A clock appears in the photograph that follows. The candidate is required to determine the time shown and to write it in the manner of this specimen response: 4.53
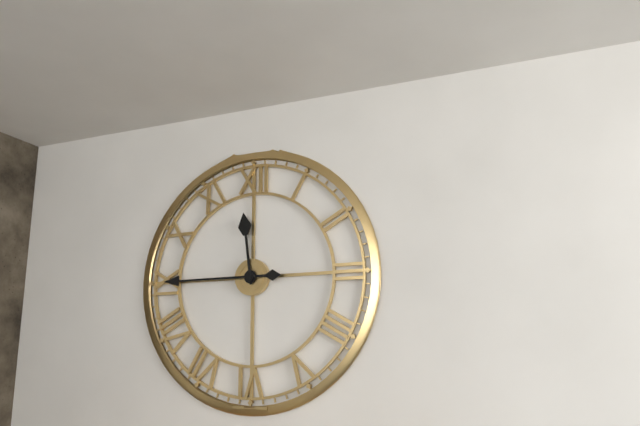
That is 11.45
